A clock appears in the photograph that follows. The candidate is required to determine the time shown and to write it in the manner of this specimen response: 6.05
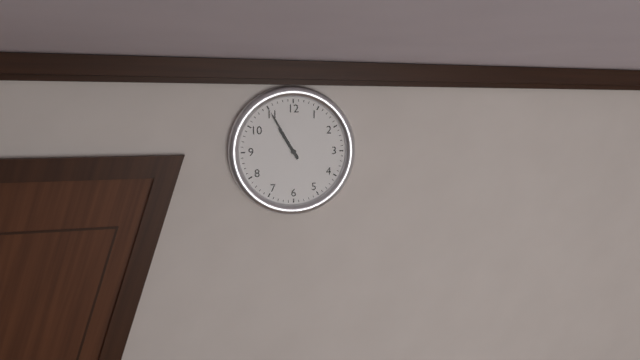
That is 10.55
